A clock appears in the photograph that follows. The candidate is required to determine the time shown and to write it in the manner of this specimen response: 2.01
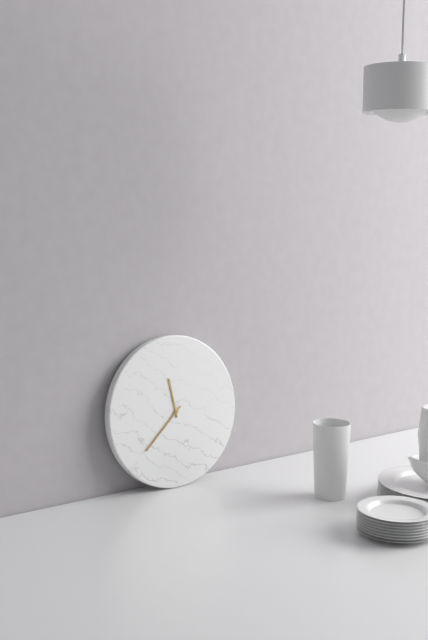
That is 11.38
